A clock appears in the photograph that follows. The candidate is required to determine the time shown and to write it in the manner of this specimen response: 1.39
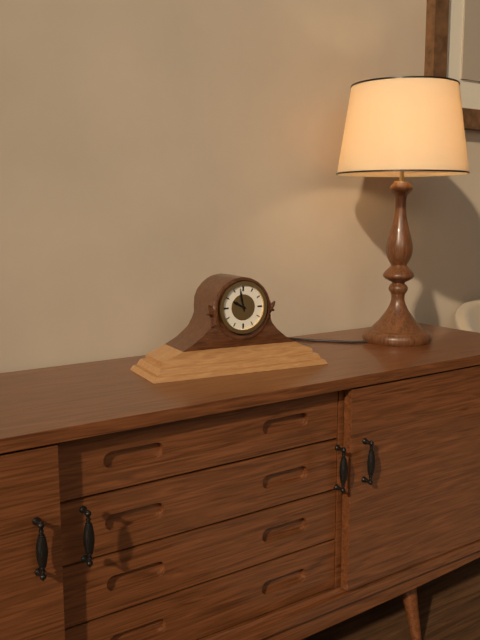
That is 9.58
